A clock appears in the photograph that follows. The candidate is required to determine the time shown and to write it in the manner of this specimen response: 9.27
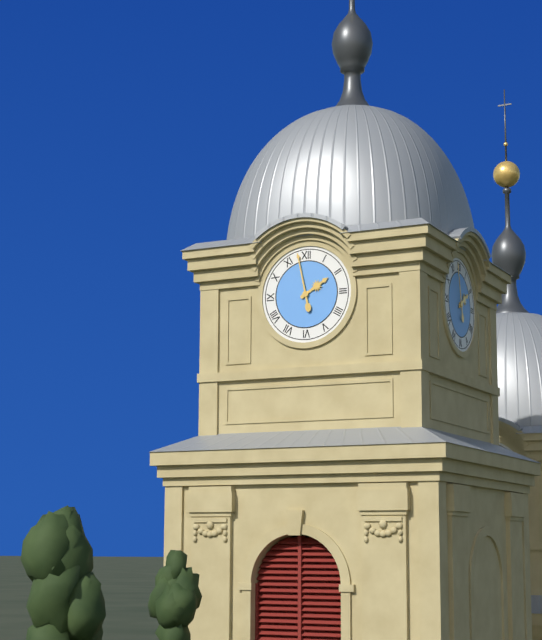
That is 1.58
